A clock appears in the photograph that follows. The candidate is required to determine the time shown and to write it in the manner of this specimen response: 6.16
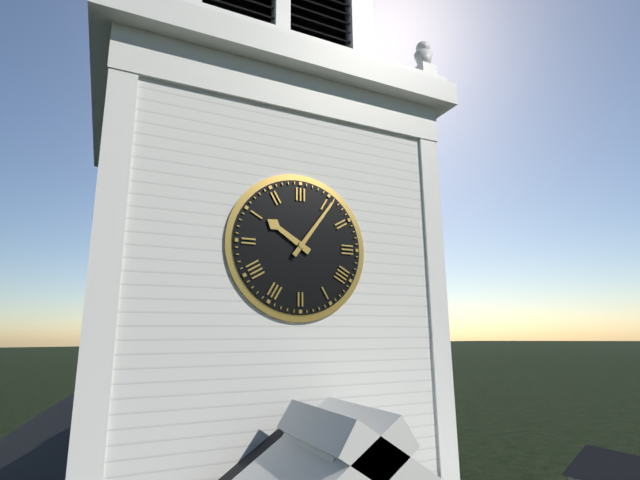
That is 10.06
